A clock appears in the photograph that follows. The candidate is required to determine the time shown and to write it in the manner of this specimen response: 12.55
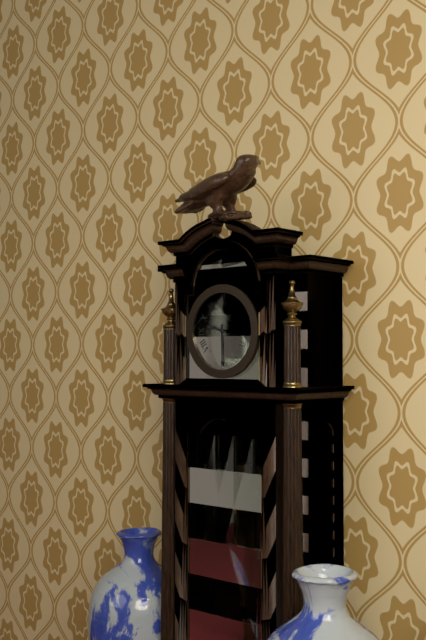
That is 9.30
